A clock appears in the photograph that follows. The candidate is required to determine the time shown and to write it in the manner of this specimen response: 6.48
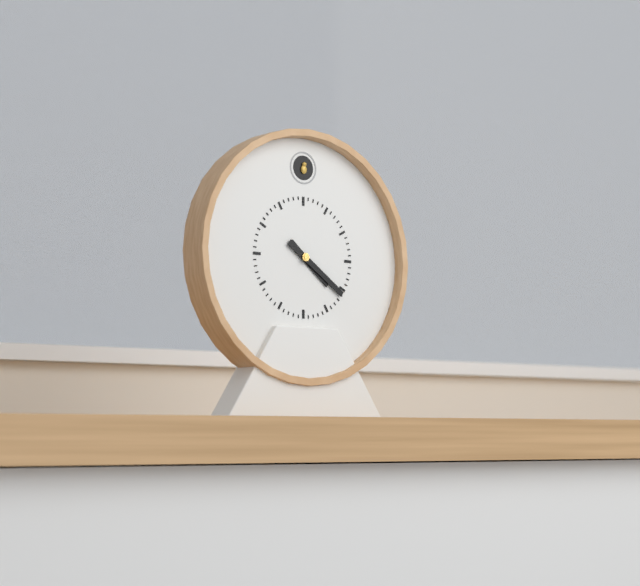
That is 4.21
